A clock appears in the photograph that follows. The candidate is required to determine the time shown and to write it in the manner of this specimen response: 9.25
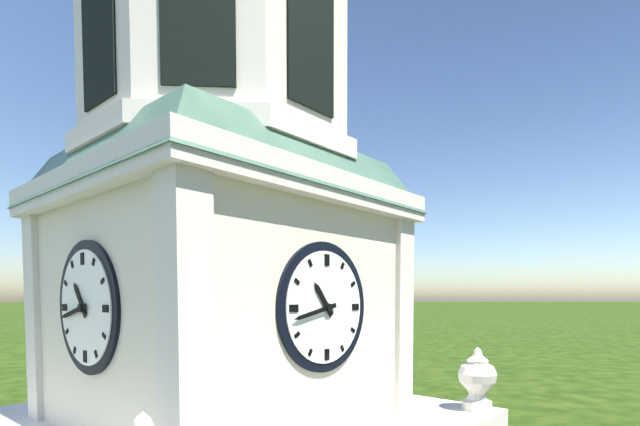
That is 10.43
